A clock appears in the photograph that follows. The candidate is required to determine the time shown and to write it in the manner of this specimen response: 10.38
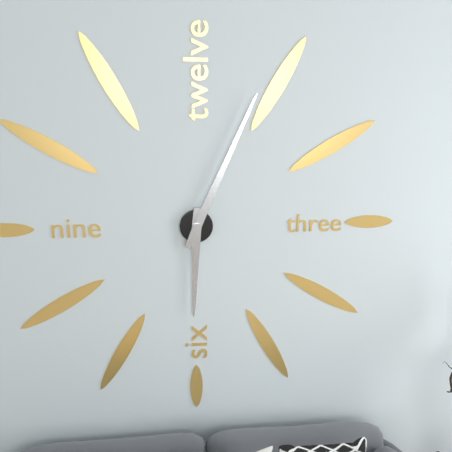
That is 6.04
